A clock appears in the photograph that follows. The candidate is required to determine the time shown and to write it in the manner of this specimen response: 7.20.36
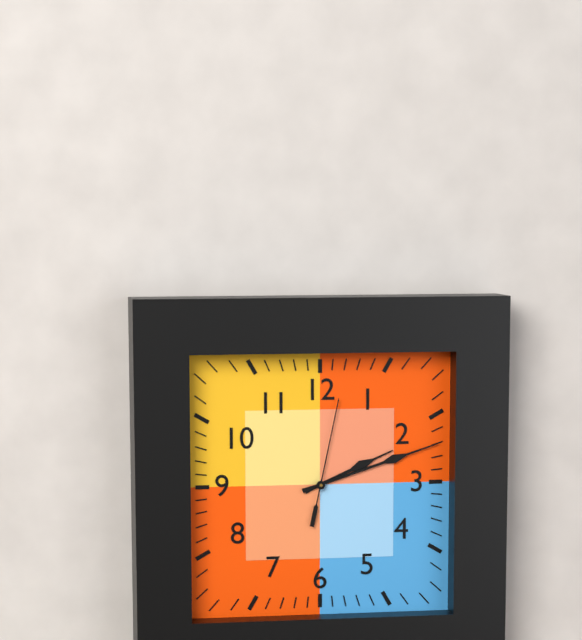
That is 2.12.02
